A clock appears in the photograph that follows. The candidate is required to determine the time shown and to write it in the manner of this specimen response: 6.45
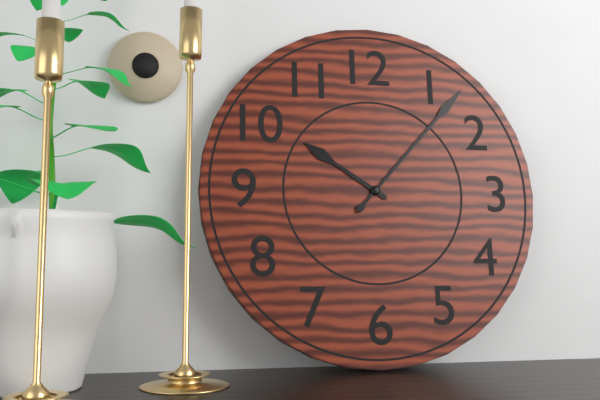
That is 10.07
